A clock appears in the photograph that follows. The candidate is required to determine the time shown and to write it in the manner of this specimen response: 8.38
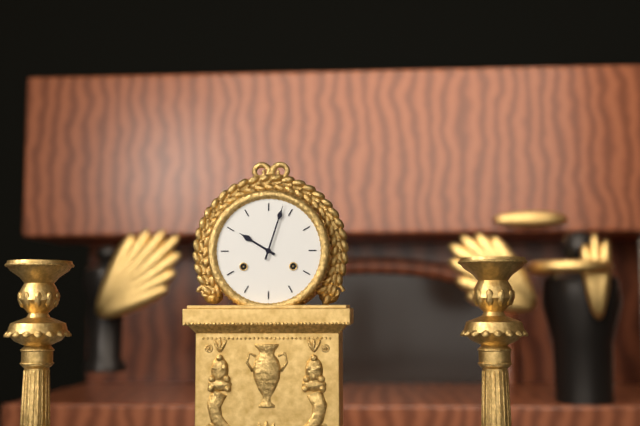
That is 10.03
